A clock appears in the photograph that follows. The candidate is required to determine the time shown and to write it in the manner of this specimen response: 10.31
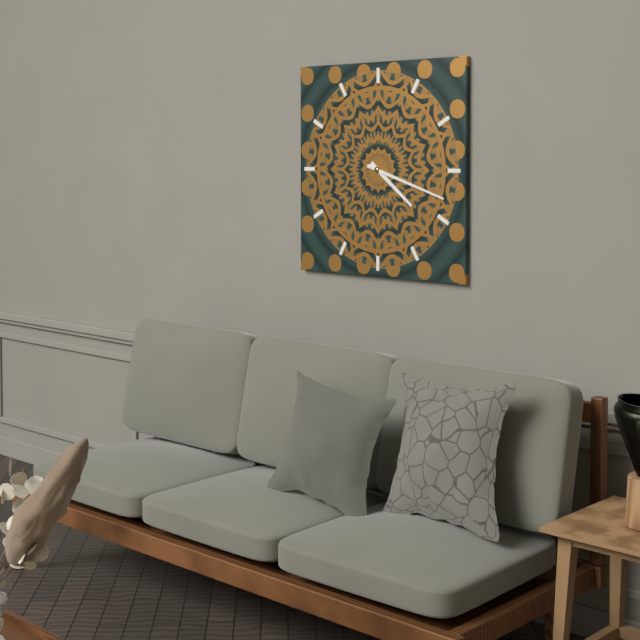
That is 4.18
